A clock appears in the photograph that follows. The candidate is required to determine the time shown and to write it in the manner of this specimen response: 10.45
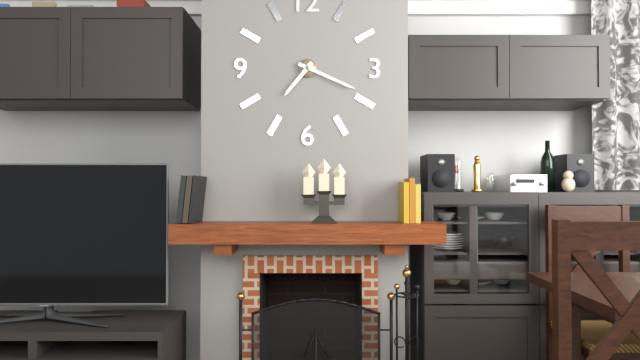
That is 7.19
